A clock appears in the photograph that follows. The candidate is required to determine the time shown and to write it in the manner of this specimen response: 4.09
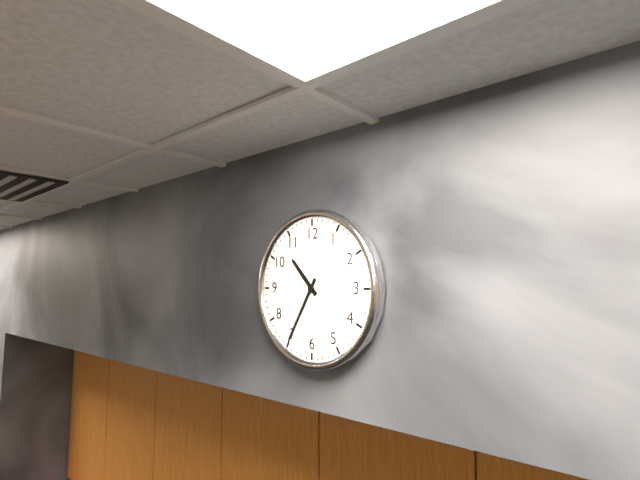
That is 10.35
